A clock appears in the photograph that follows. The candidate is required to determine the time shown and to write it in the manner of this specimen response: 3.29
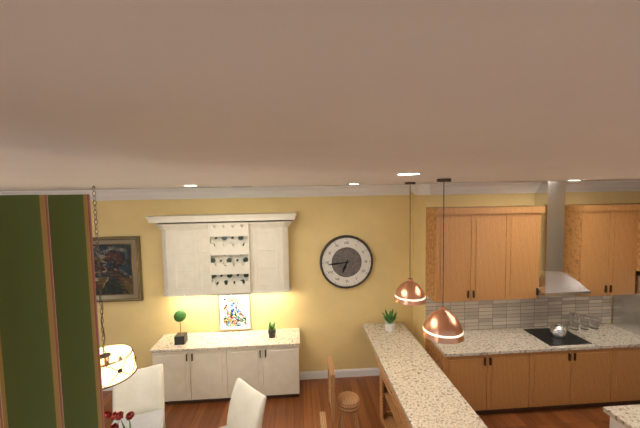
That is 6.44
